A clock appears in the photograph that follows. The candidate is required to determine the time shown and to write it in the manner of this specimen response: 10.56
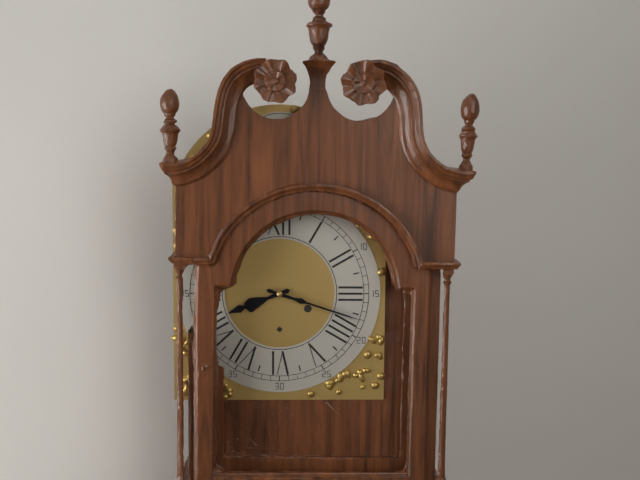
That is 8.18
